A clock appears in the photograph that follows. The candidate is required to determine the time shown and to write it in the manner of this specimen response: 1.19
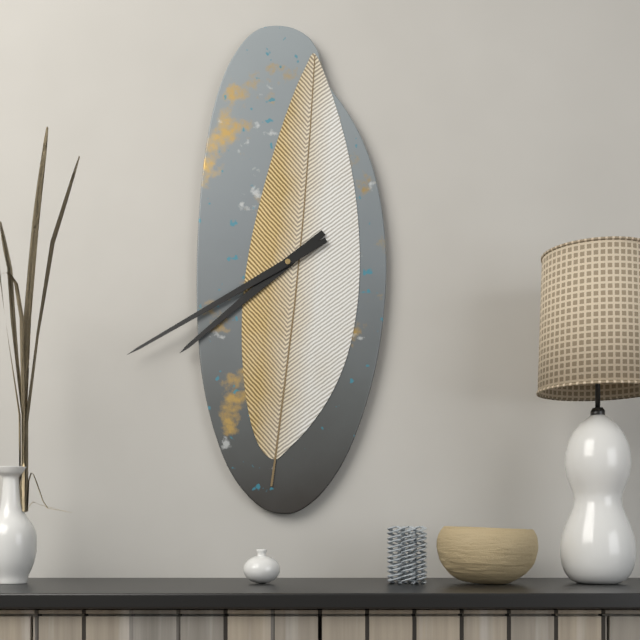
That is 7.40
